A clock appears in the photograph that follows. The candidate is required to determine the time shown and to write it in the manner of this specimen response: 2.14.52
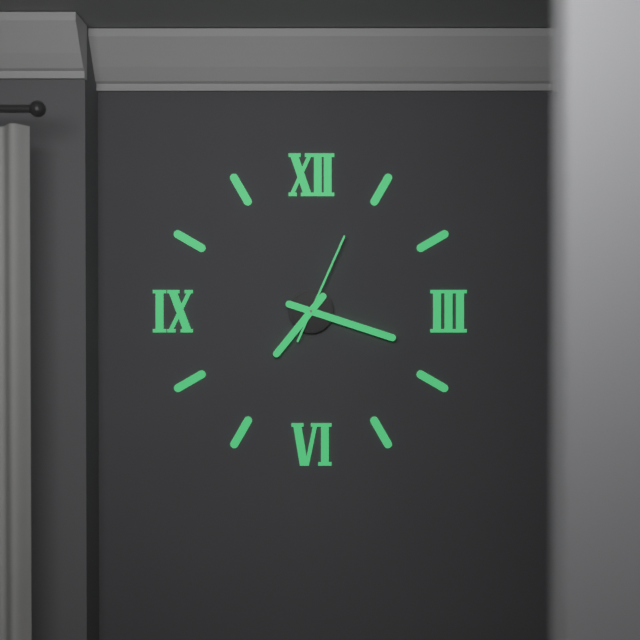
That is 7.18.04
